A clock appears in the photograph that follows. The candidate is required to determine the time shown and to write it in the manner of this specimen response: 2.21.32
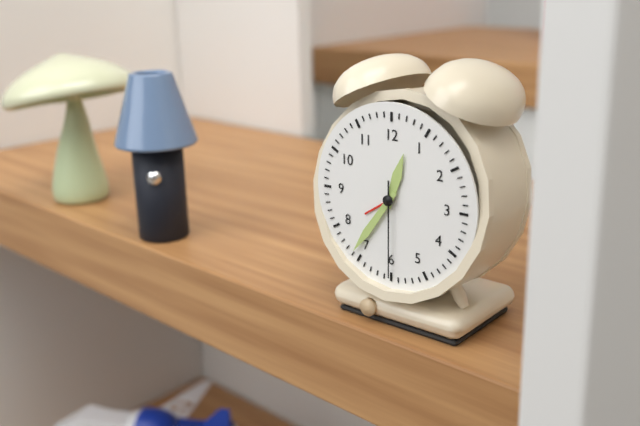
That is 12.36.30
